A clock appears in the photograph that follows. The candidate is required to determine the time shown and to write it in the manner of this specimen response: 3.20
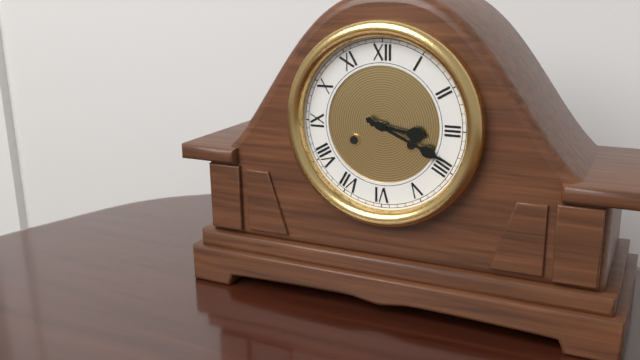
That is 3.19
